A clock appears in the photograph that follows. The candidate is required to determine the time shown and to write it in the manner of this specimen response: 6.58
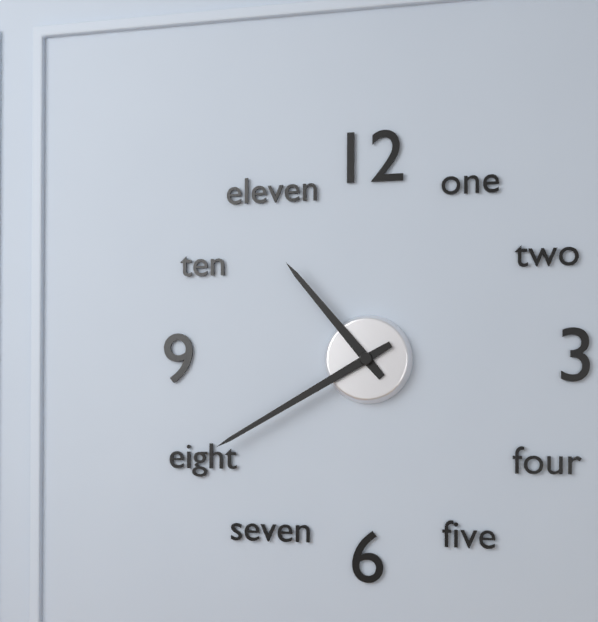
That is 10.40
